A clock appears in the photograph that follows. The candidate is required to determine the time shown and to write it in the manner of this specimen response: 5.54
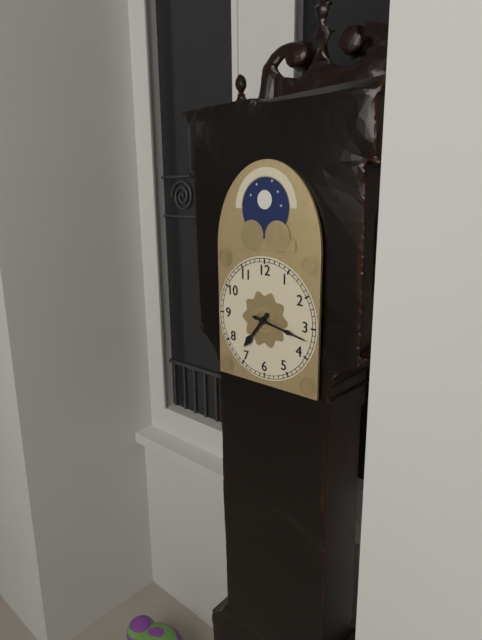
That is 7.17
